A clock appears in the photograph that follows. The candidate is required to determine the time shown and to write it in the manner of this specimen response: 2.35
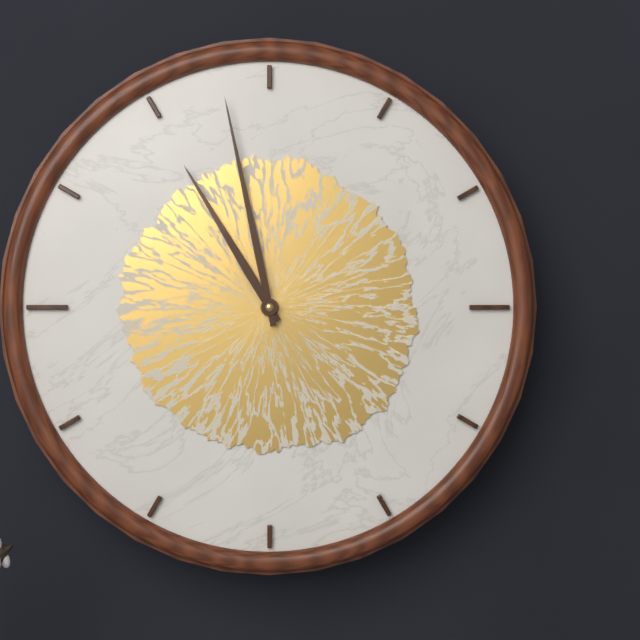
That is 10.58
